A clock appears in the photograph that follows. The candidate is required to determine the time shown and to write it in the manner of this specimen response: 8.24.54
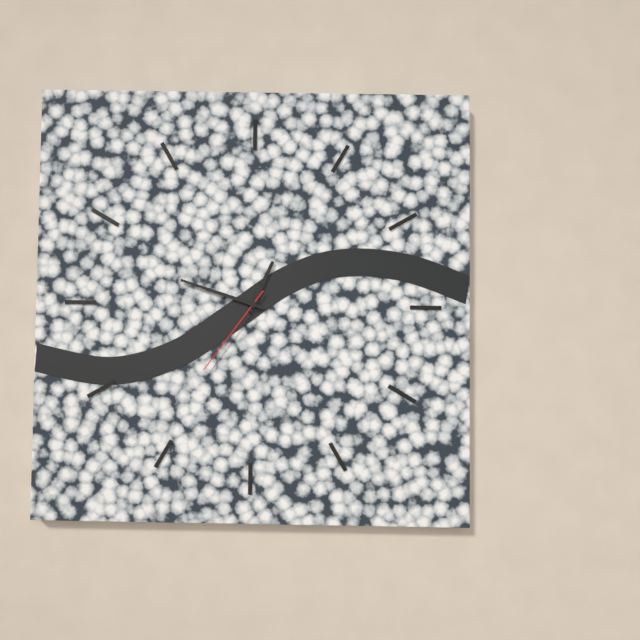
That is 12.48.36
